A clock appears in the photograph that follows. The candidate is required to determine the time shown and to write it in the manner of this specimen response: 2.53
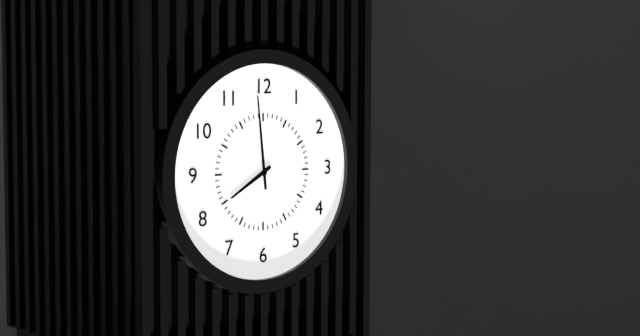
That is 7.59
